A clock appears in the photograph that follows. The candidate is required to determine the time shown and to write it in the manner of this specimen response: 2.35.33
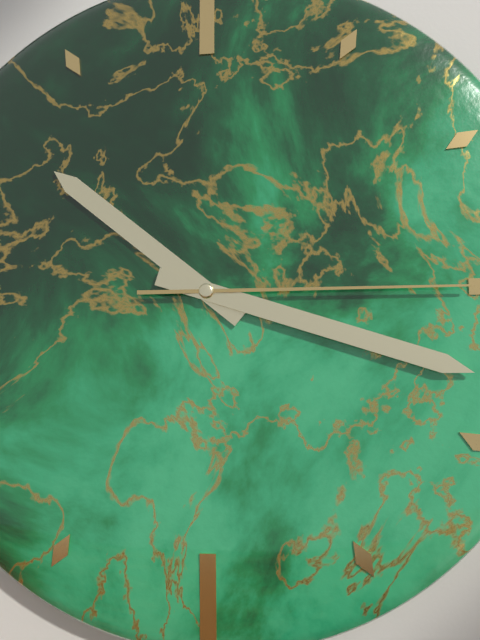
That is 10.18.15
